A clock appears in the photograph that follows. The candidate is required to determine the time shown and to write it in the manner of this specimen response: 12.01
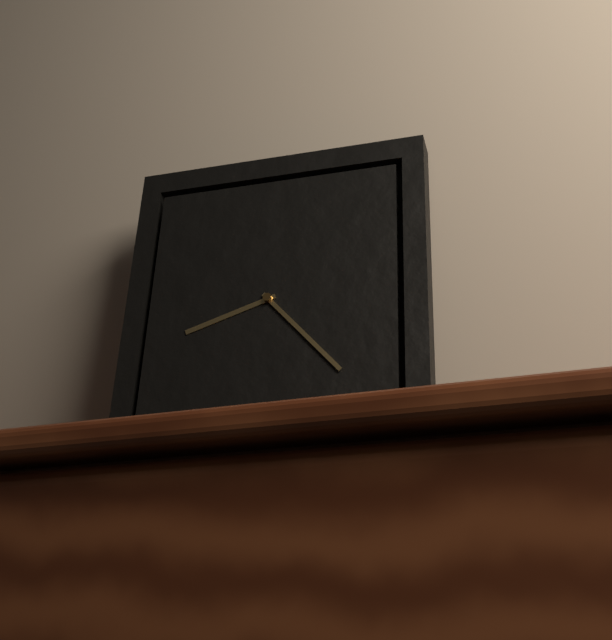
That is 8.23
